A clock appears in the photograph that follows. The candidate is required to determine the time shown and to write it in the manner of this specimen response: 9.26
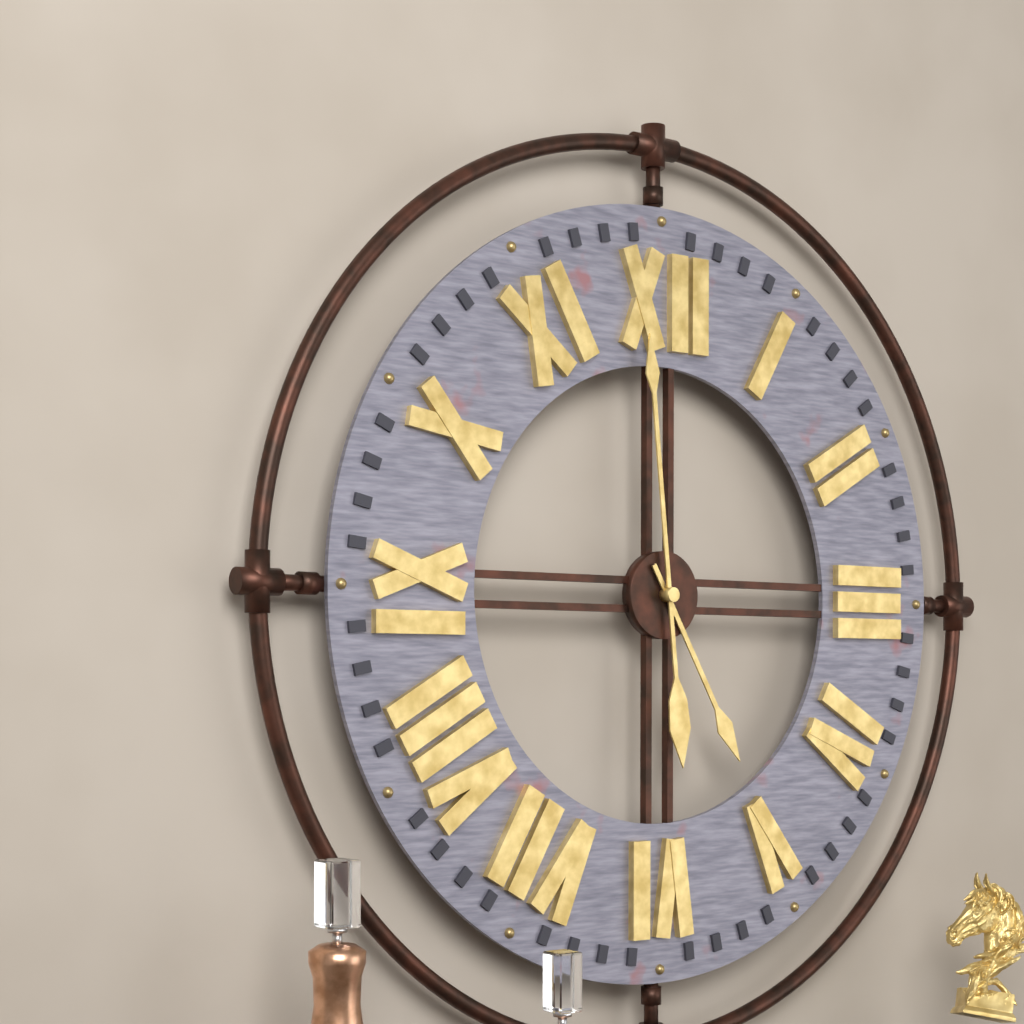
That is 4.59
